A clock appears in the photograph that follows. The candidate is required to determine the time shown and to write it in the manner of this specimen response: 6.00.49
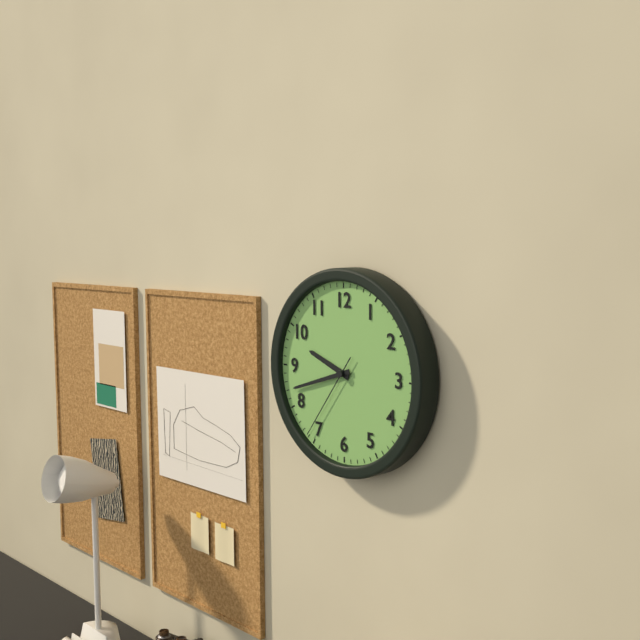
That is 9.42.36
